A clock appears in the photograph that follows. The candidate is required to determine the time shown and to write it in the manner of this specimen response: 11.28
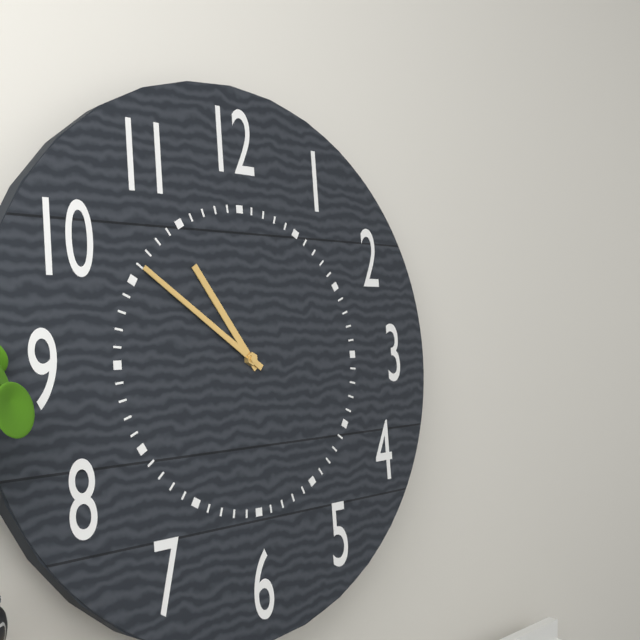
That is 10.51
